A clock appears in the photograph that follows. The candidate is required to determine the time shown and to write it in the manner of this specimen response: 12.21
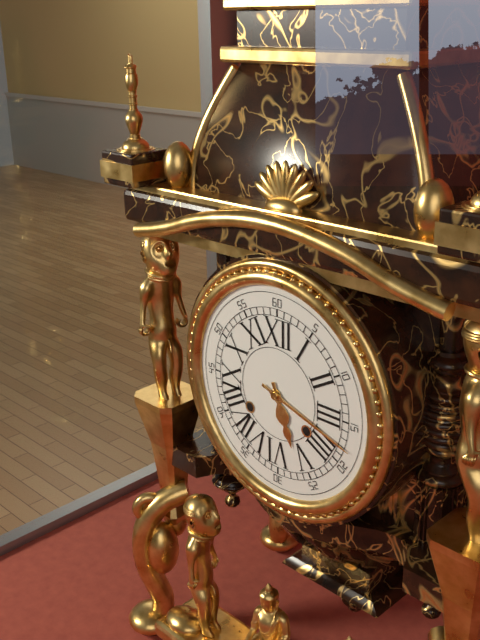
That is 5.18
